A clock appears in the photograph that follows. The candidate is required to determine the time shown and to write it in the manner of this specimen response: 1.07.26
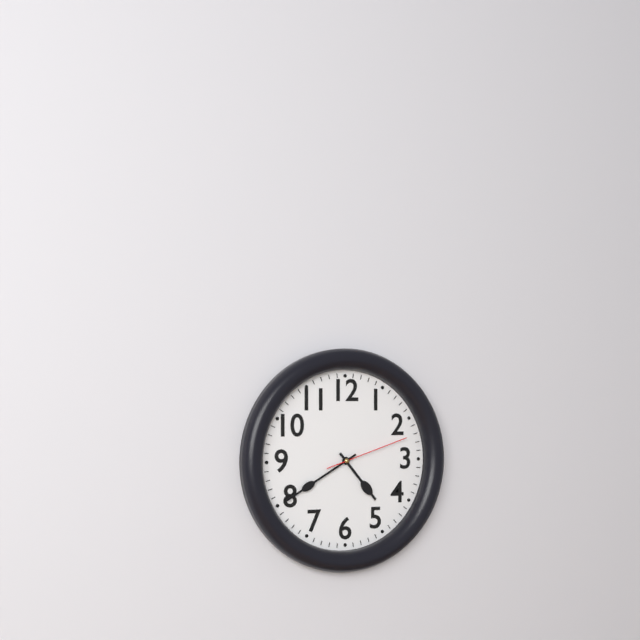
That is 4.40.12
